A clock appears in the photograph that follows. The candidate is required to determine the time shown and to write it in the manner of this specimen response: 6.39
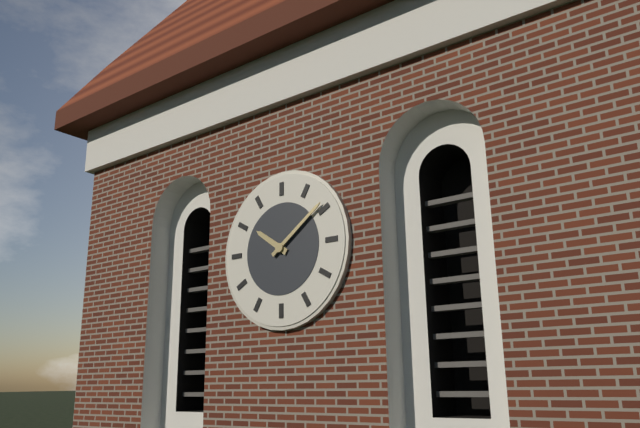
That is 10.09
